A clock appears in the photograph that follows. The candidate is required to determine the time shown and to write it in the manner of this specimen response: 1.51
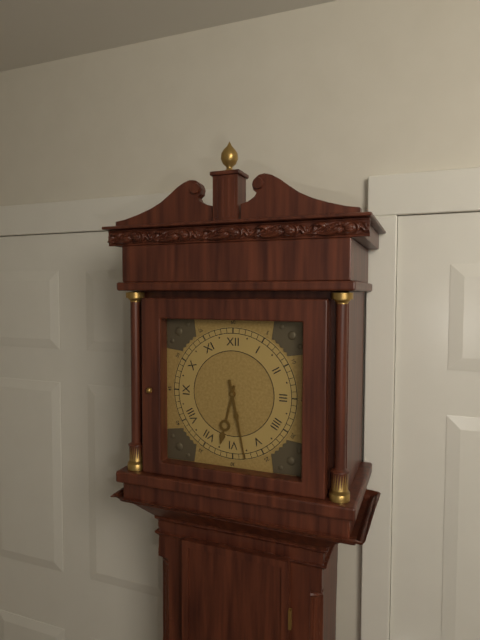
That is 6.28
